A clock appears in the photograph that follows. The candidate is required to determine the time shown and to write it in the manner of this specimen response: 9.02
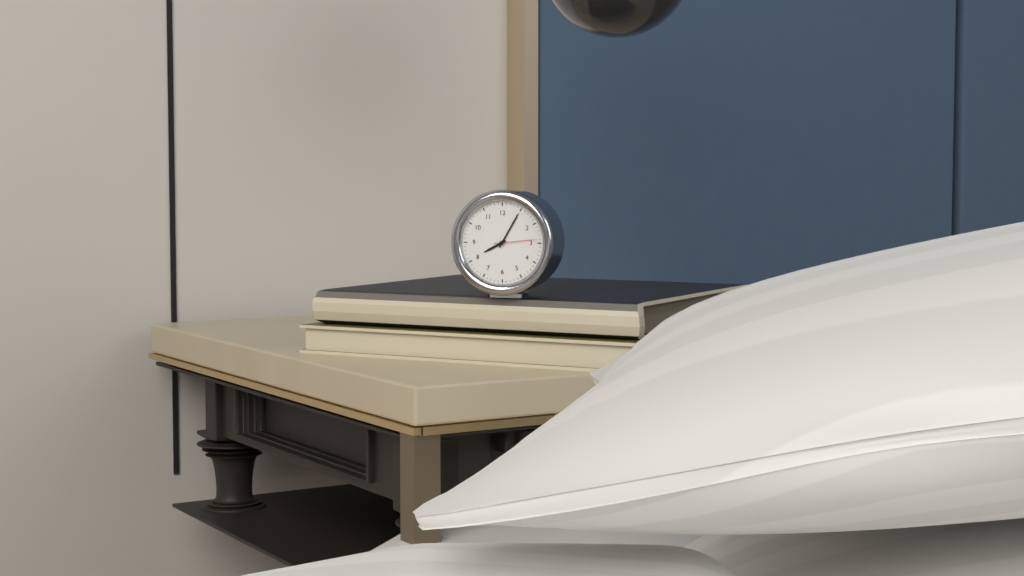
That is 8.05
